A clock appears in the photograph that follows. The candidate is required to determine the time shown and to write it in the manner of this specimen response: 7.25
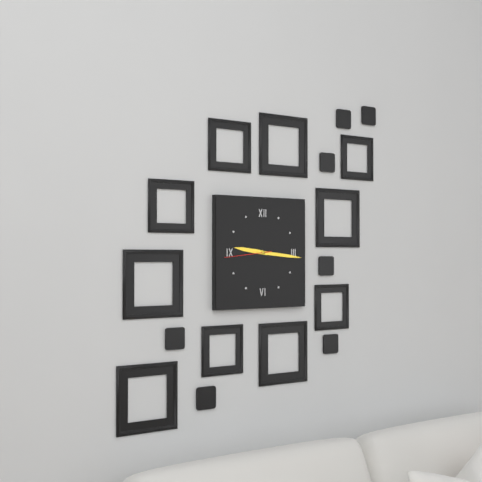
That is 9.16
